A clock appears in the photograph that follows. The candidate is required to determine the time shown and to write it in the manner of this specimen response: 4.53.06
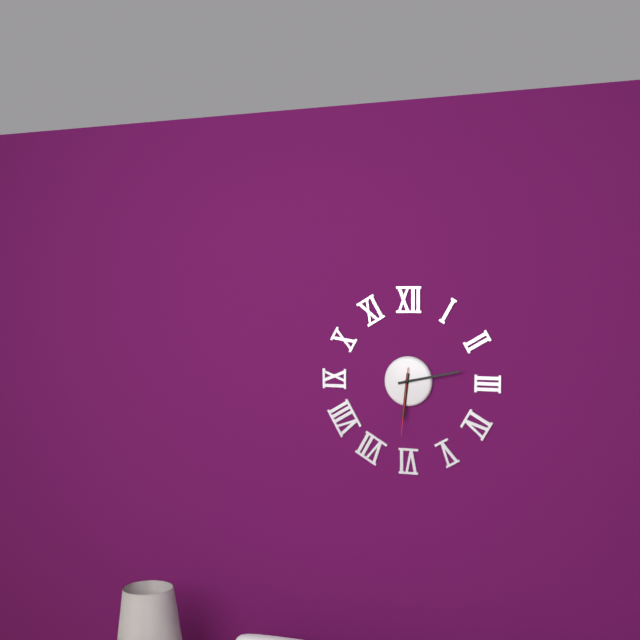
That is 6.13.31
